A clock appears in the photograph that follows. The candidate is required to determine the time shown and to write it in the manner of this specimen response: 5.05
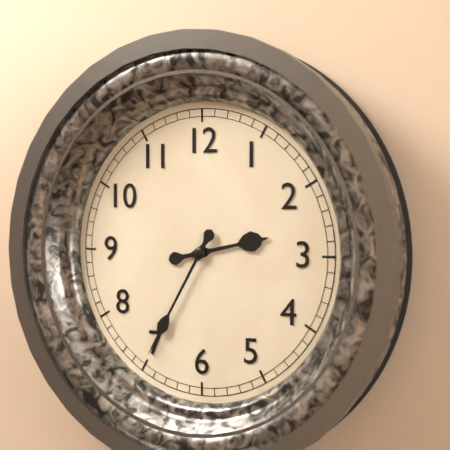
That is 2.35
